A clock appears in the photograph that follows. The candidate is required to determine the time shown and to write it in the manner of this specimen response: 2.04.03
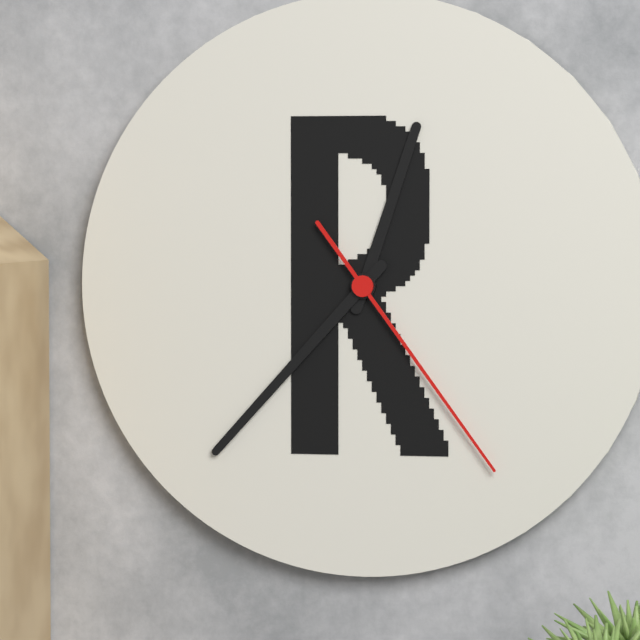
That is 12.37.24
